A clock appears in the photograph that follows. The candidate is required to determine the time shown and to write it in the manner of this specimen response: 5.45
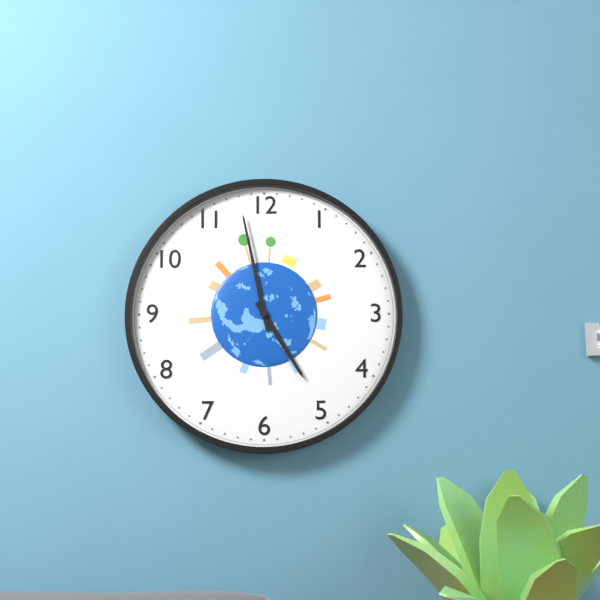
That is 4.58
